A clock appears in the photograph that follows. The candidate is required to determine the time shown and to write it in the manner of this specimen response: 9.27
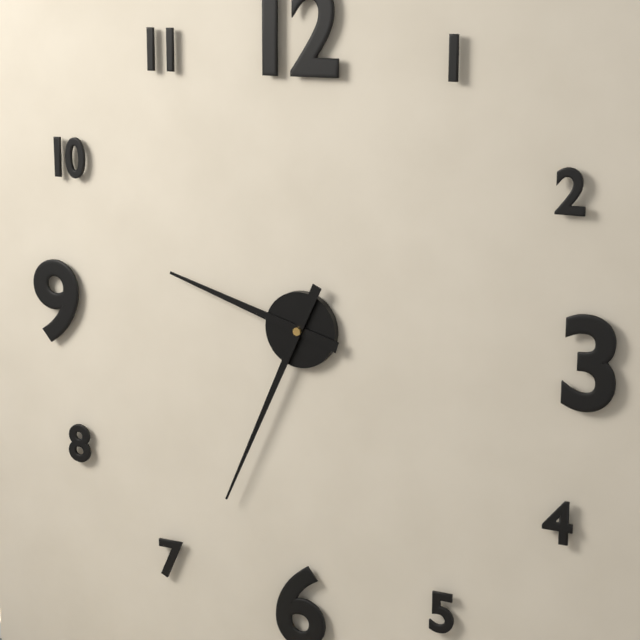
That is 9.34
